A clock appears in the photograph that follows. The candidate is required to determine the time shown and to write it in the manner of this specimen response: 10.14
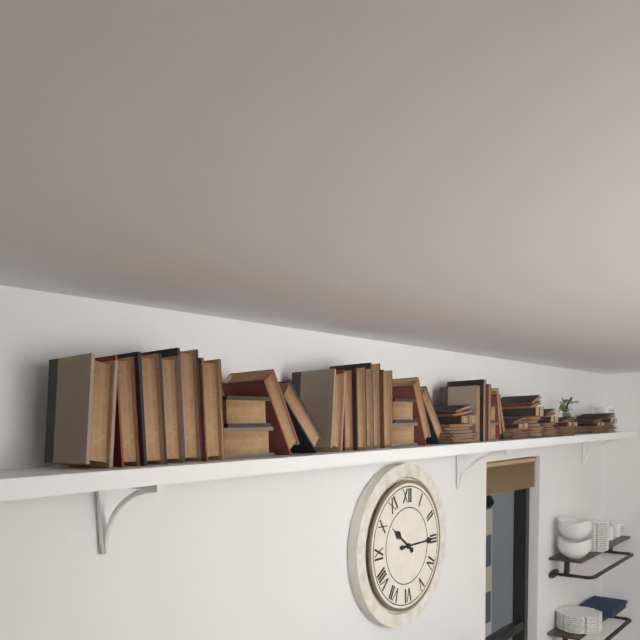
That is 10.15
